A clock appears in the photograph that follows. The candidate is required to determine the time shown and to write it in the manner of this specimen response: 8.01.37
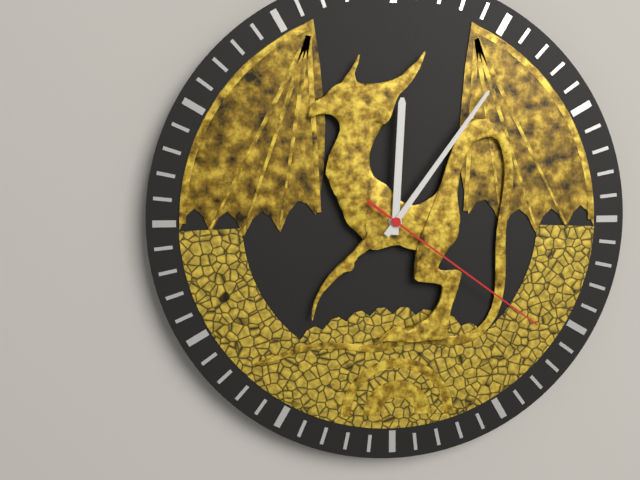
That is 12.06.21
